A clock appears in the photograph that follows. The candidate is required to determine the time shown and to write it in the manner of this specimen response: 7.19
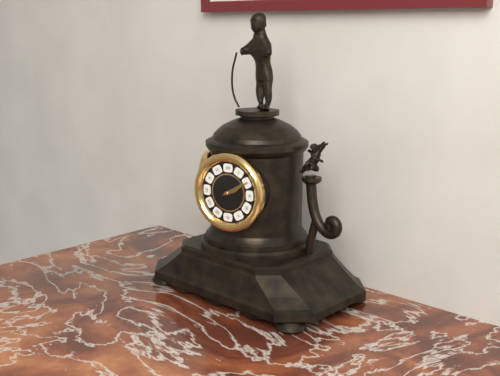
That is 2.10
